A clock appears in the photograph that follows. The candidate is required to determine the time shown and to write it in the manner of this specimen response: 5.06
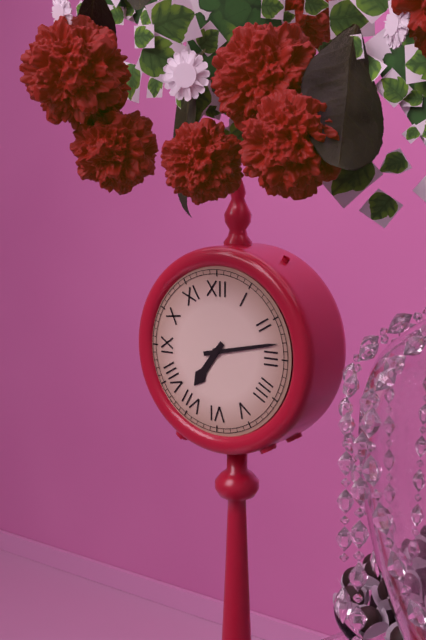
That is 7.13
